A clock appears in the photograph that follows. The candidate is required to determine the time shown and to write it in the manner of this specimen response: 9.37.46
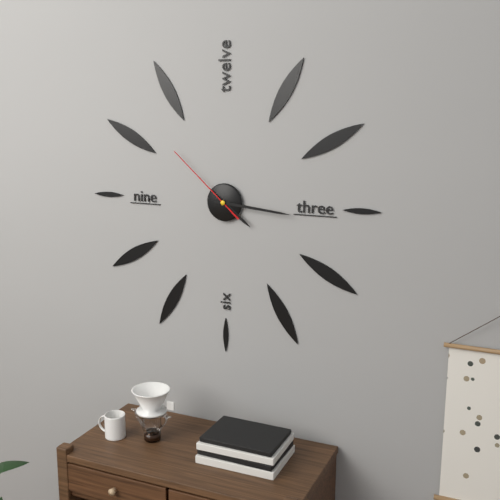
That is 4.16.52
